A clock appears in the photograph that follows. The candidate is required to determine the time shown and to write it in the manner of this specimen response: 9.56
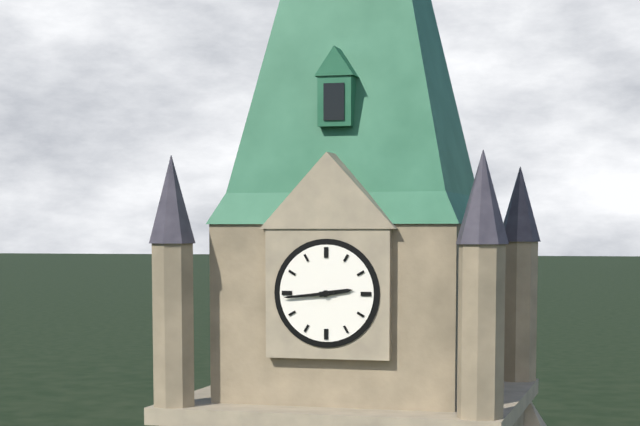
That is 2.44
